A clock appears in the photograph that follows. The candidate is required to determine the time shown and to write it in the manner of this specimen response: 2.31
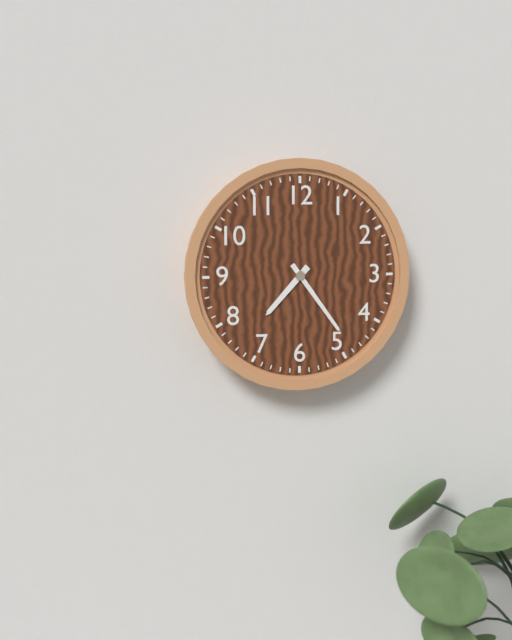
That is 7.24
